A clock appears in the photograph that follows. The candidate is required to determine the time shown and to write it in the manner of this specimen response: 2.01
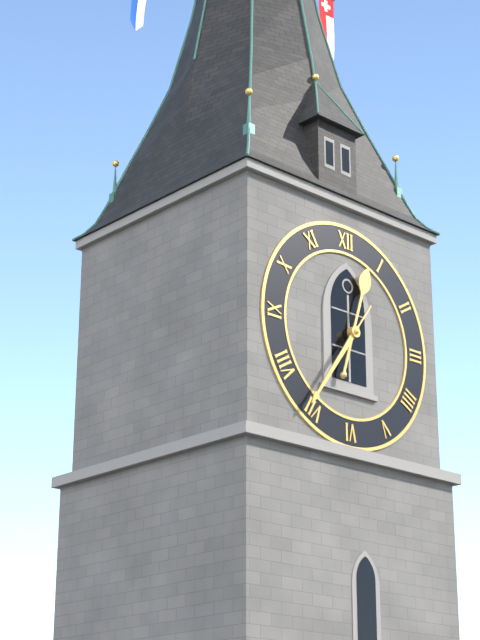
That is 12.36
